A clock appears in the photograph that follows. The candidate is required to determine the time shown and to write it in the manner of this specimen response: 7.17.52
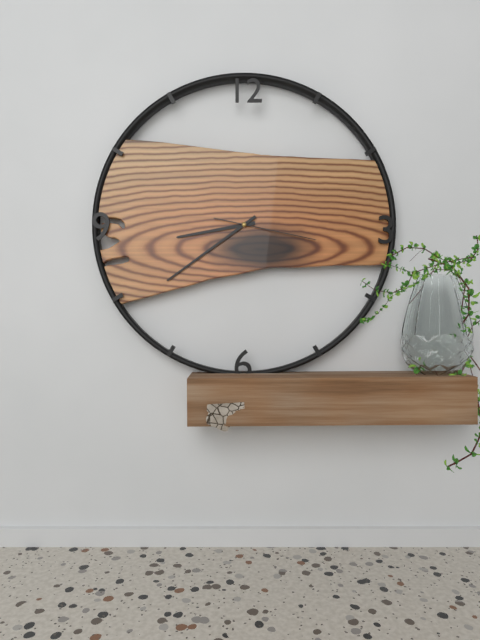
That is 8.39.17
